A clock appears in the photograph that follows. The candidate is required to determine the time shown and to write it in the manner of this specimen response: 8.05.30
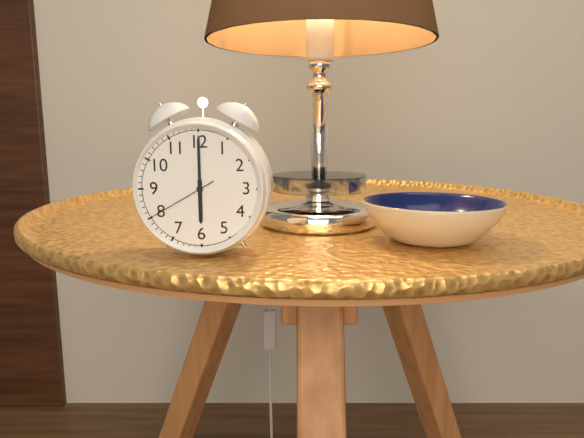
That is 6.00.40
